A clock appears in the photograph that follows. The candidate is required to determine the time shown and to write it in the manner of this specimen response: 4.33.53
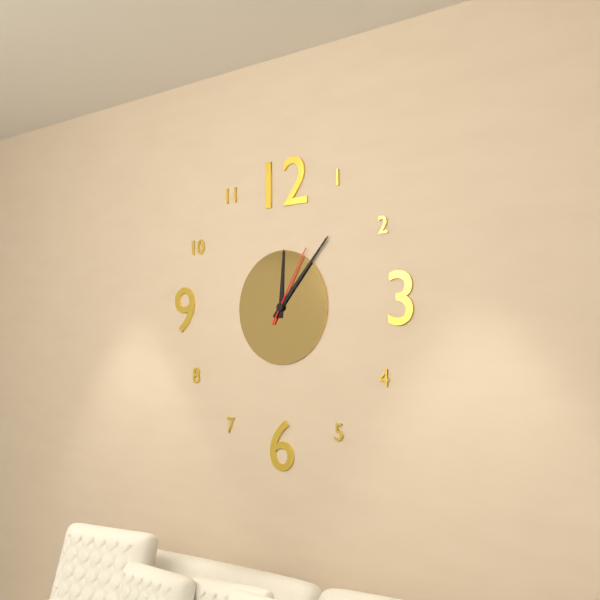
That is 12.07.05
